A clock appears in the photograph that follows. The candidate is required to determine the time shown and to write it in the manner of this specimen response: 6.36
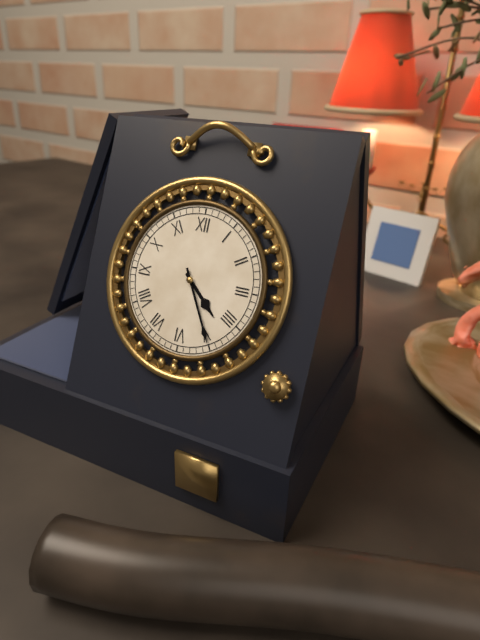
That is 4.25
